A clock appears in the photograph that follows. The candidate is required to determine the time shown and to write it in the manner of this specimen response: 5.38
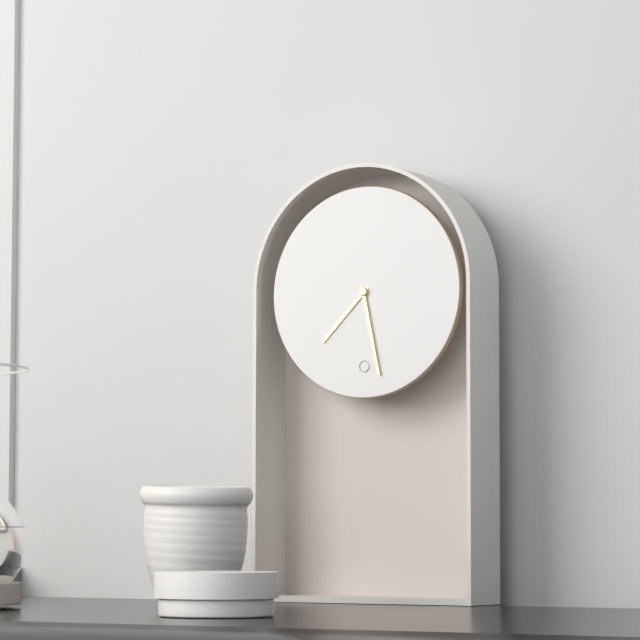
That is 7.28
